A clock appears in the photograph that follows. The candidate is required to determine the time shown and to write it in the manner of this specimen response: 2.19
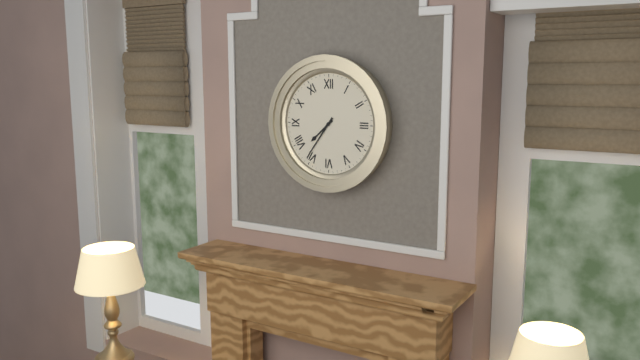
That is 7.36
